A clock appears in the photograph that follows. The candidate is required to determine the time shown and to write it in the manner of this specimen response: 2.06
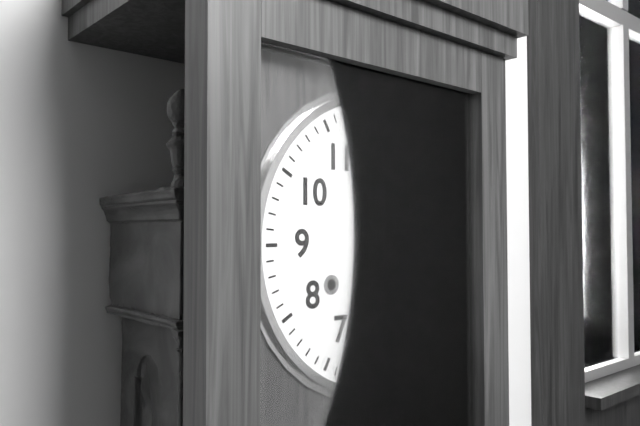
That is 12.10
